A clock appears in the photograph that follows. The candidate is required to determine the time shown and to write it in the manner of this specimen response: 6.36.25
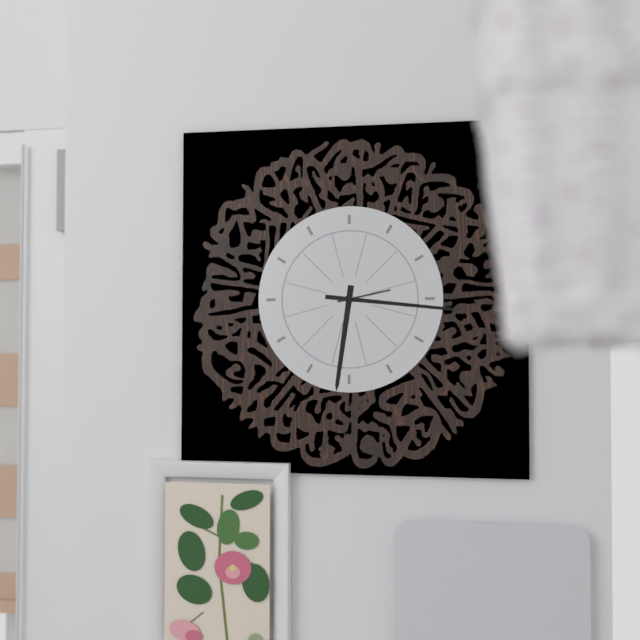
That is 6.16.13
